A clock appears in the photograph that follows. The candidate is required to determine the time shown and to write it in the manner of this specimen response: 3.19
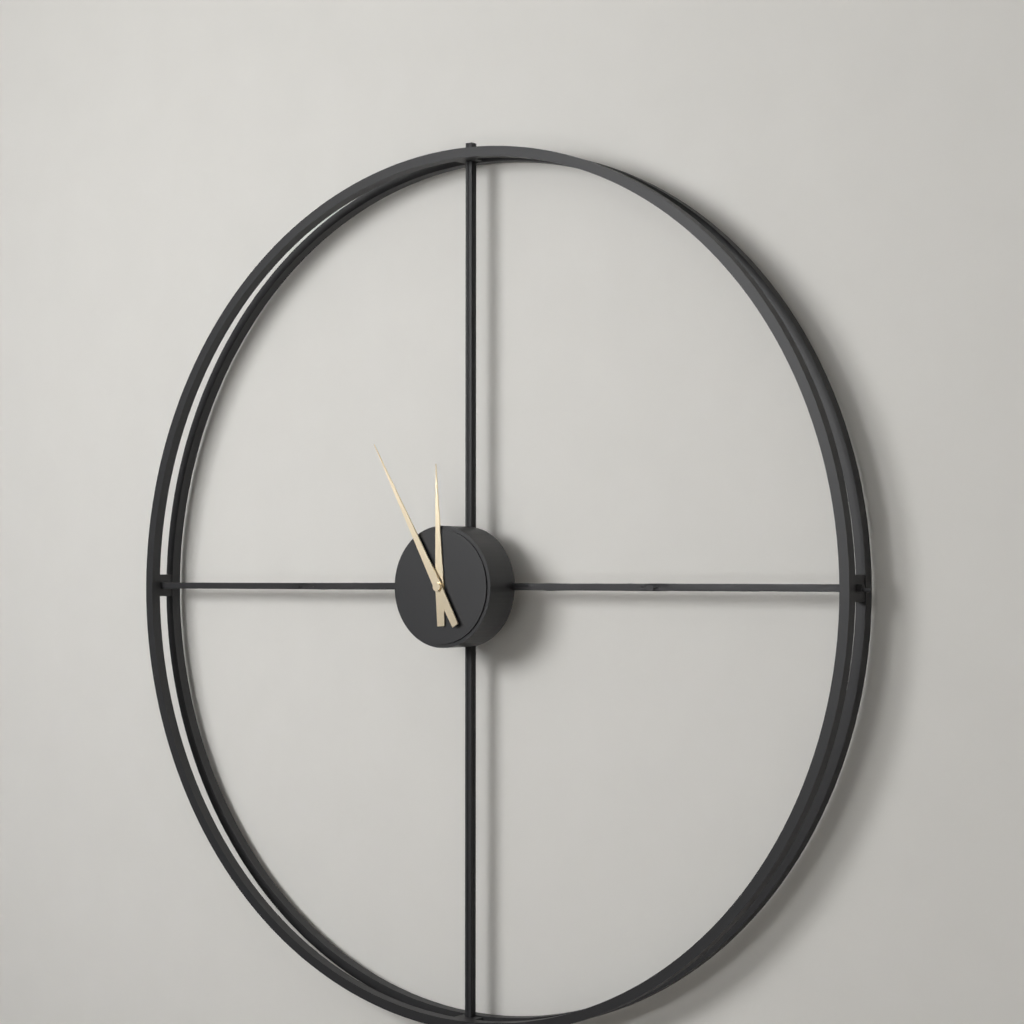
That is 11.55
